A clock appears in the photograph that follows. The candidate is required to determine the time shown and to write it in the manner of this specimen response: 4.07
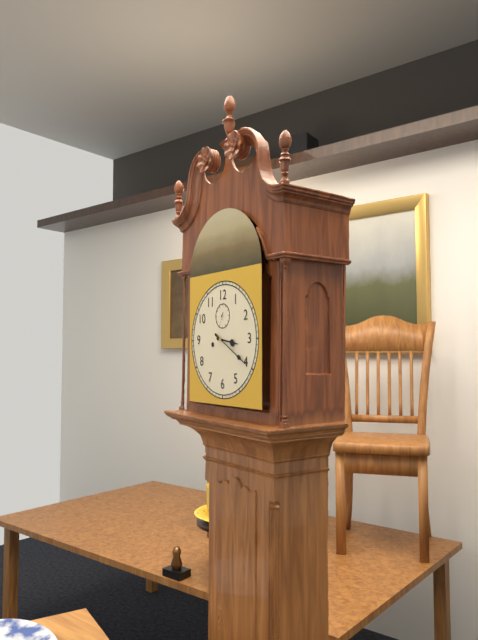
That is 3.20
